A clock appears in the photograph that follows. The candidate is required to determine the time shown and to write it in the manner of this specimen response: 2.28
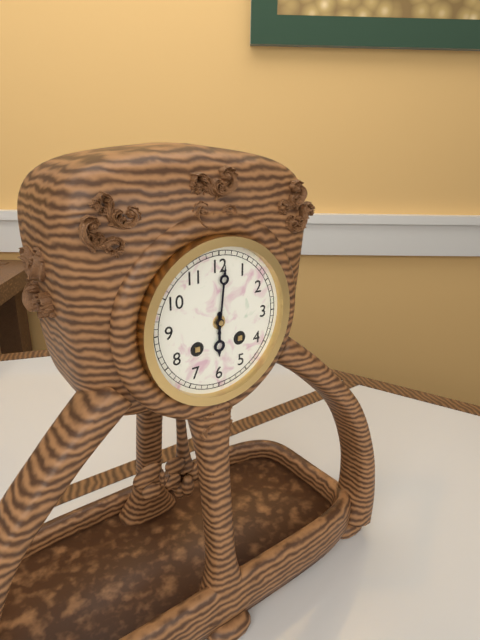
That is 6.01
